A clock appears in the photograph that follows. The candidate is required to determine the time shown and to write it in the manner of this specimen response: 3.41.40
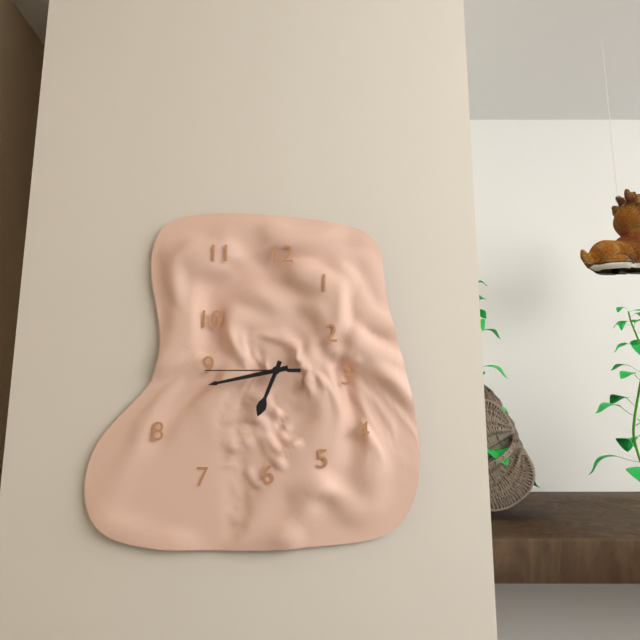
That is 6.43.45
